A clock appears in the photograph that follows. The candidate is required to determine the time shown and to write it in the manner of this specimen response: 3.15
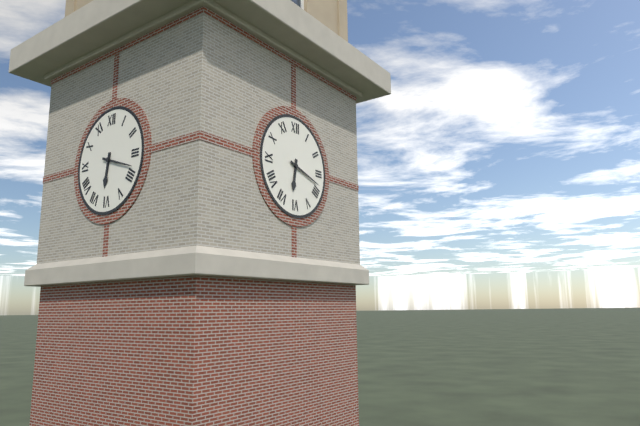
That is 6.18
